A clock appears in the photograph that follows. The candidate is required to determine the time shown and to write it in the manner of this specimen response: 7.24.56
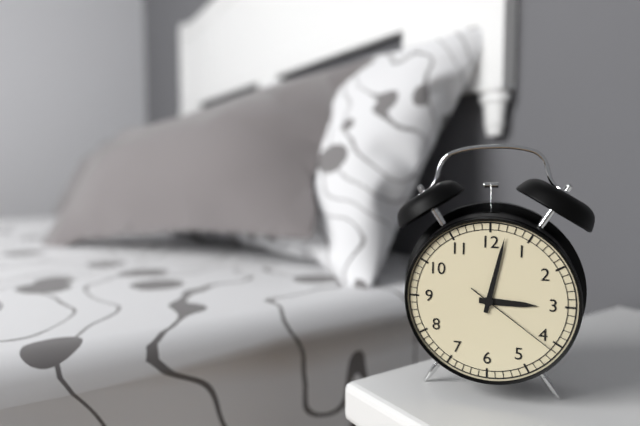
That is 3.02.21
